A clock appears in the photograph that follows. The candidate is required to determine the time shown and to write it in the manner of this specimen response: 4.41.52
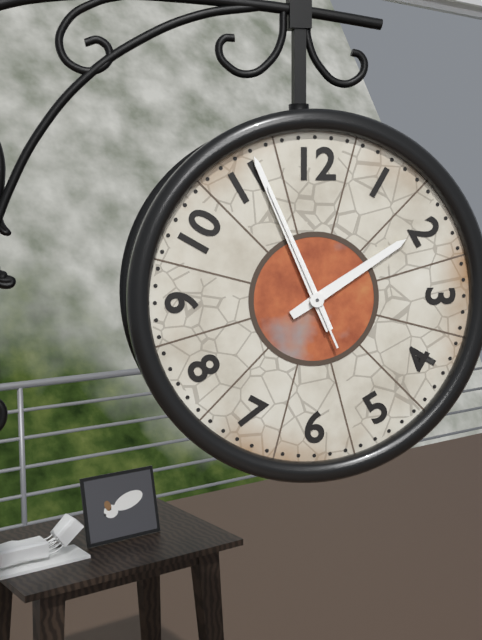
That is 1.56.56
